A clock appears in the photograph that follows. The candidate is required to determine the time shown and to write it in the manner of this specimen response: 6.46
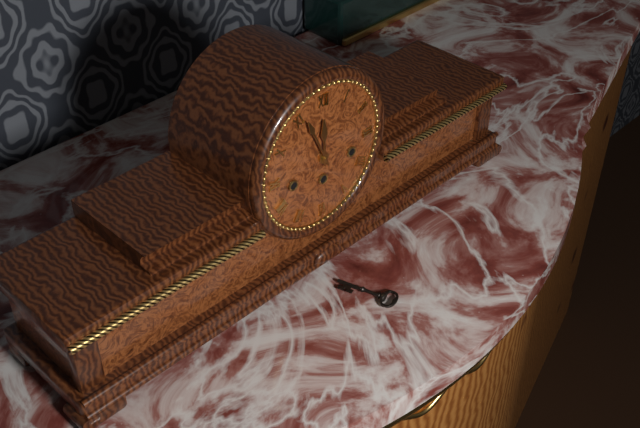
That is 11.56
